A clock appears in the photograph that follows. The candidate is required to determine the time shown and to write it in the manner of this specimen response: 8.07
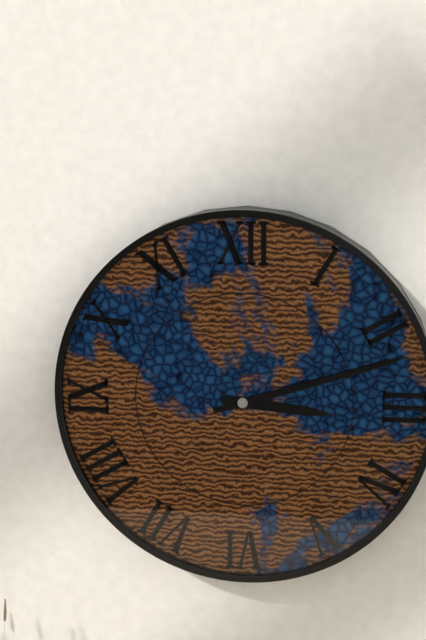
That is 3.12
